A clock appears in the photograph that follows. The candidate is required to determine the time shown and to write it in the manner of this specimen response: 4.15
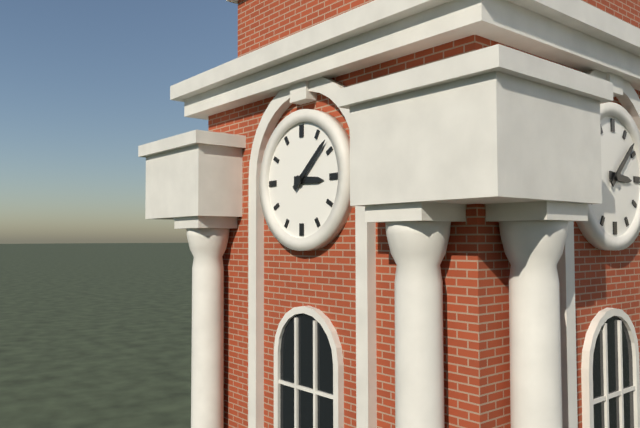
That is 3.08
